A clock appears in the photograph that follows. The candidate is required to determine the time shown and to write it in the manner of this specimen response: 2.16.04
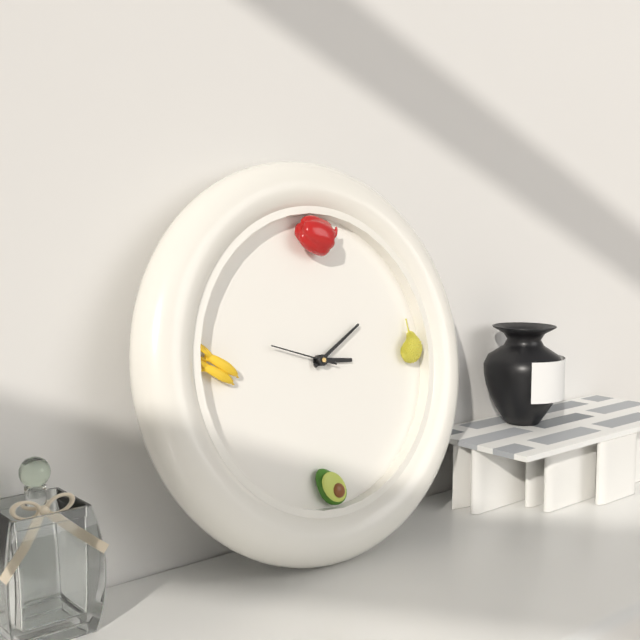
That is 3.10.48
